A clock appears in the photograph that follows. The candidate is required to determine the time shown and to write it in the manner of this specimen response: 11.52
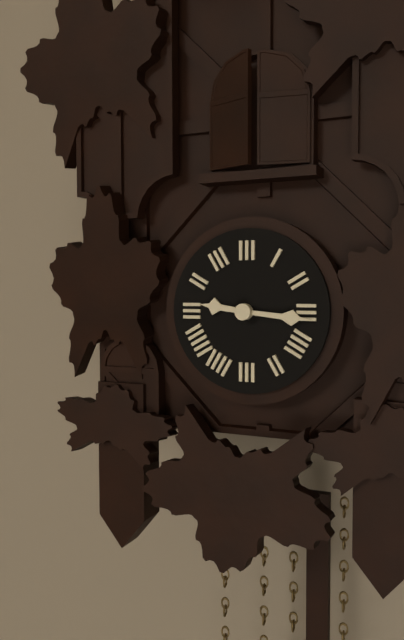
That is 9.16
